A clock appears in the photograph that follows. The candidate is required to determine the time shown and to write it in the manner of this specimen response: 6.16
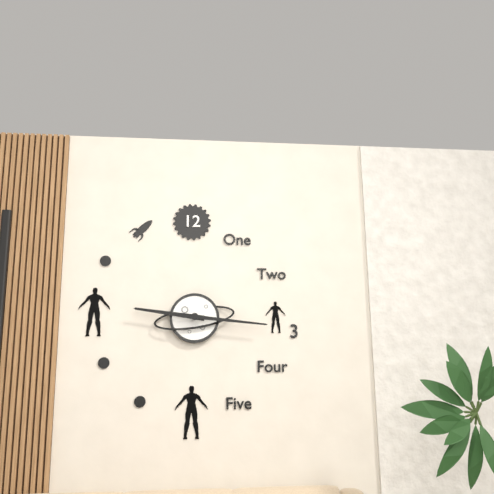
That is 9.16
